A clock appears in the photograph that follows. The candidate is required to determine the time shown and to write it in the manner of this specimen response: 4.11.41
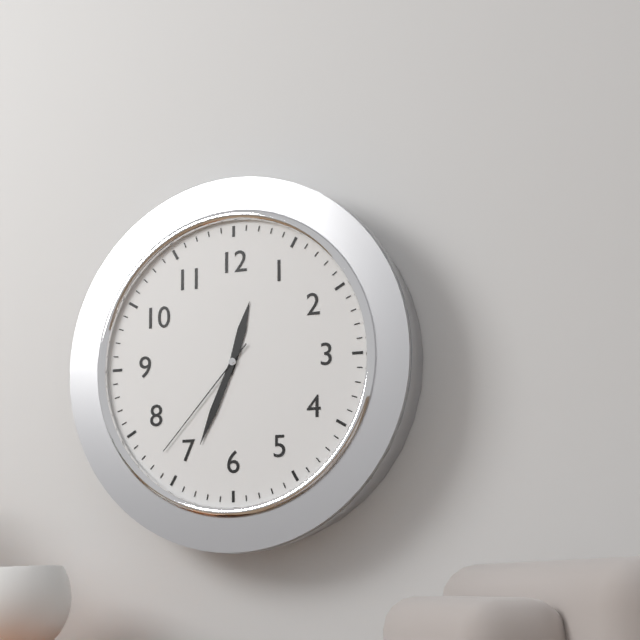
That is 12.34.37
